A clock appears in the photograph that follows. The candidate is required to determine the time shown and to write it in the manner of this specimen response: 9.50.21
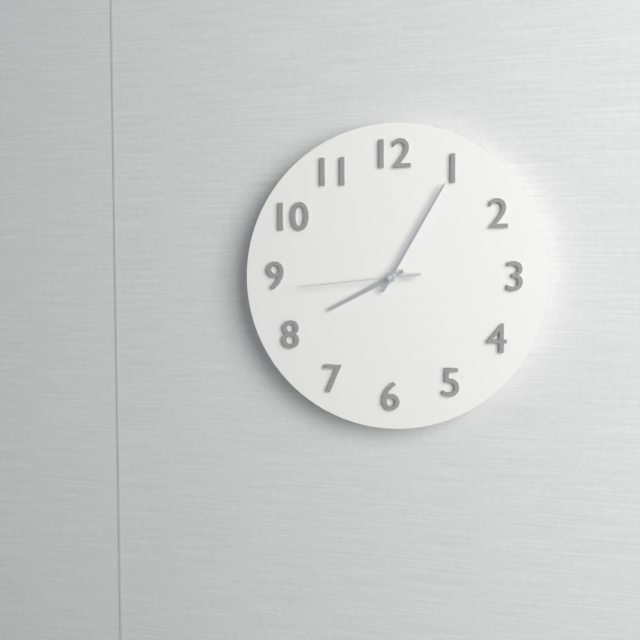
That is 8.05.44
